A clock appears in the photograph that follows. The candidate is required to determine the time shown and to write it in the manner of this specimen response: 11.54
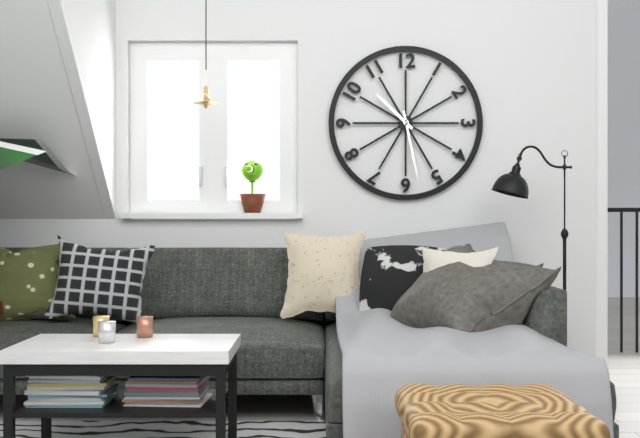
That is 10.28
